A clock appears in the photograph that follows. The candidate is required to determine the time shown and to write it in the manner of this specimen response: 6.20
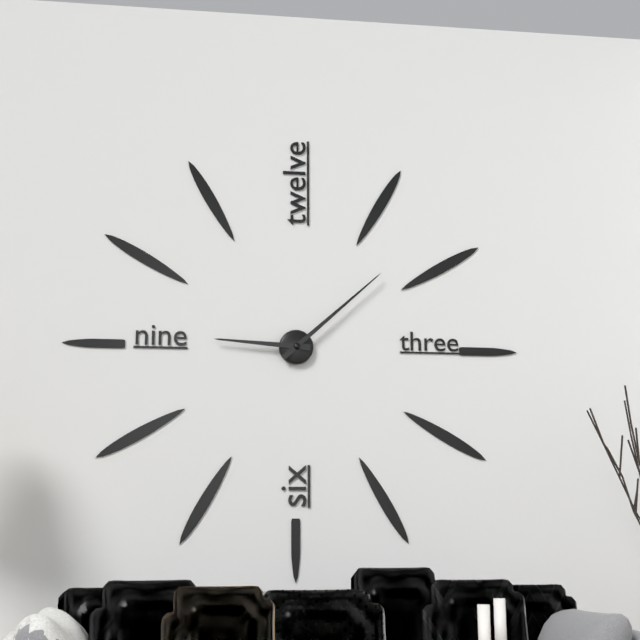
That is 9.08
